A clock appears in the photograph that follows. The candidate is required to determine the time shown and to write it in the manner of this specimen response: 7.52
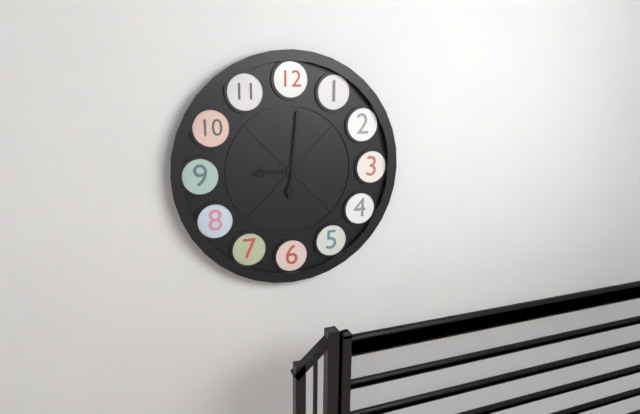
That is 9.01
